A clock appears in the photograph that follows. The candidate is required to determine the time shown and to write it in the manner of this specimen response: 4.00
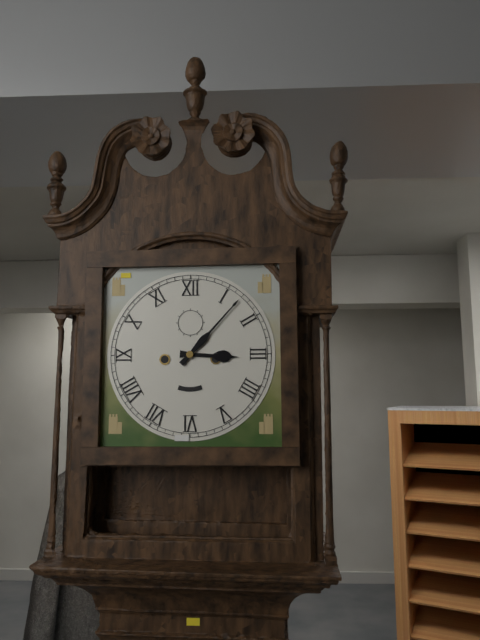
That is 3.07
